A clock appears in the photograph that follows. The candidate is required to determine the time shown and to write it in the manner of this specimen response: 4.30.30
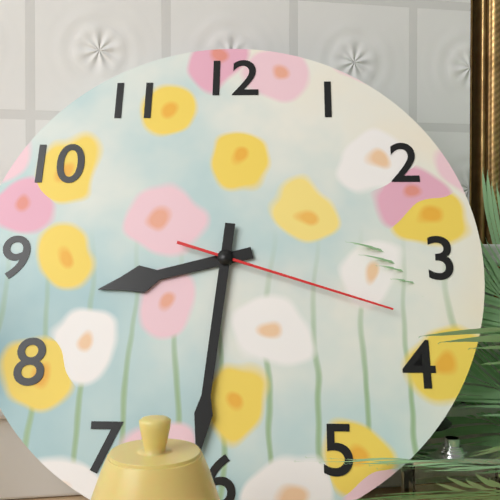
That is 8.31.18
